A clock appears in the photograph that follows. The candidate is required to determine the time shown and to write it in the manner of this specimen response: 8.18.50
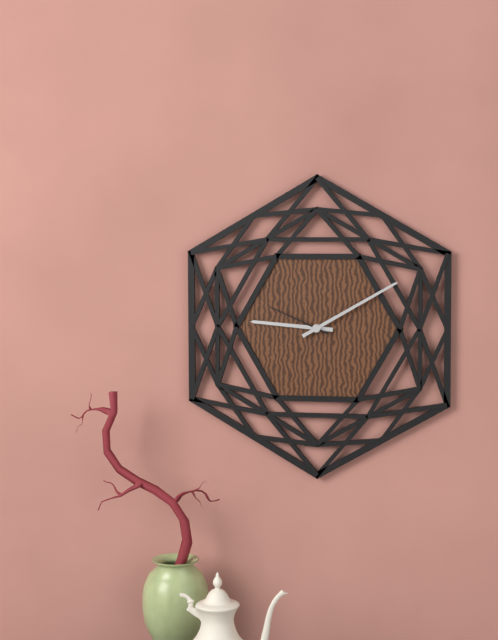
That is 9.10.49
